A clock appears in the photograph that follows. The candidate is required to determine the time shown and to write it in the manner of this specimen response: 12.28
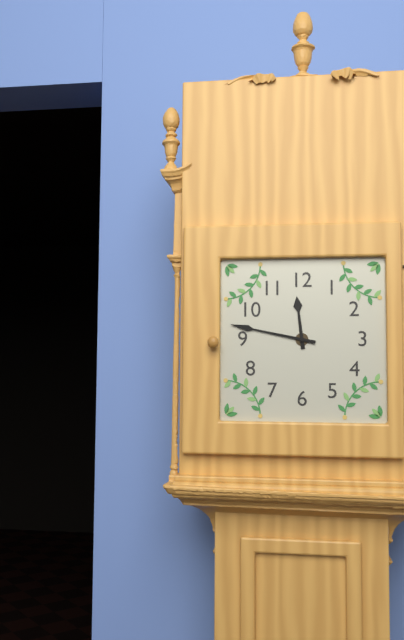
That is 11.47
